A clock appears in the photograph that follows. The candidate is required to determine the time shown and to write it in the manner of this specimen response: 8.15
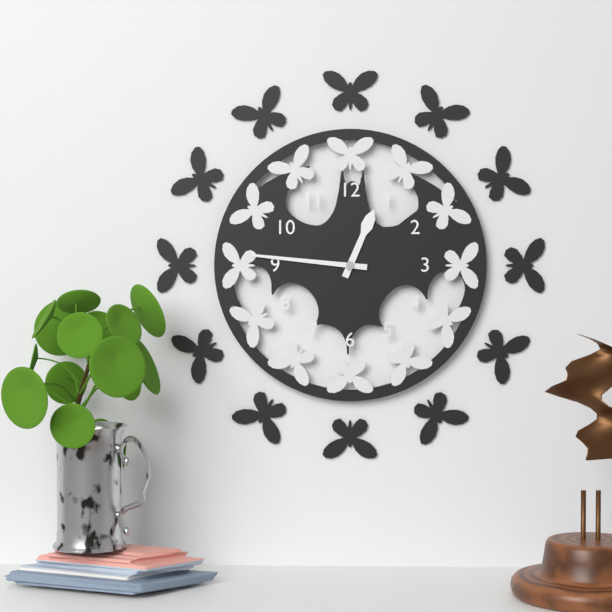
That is 12.46
